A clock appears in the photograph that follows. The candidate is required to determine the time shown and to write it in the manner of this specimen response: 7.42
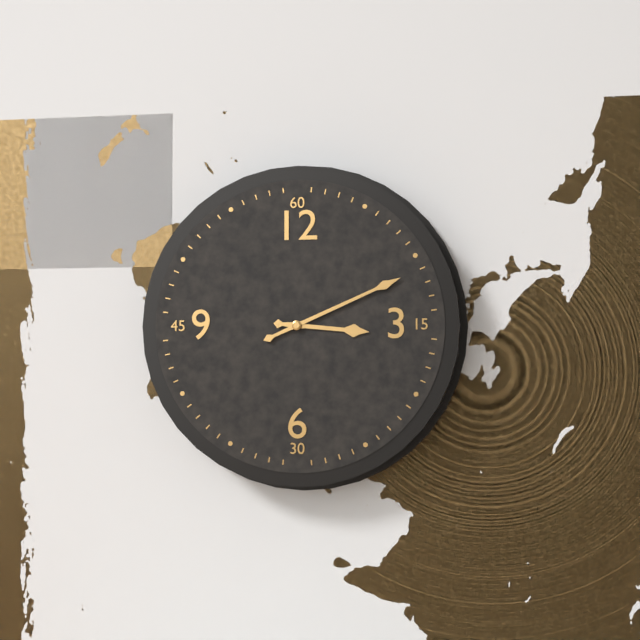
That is 3.11
